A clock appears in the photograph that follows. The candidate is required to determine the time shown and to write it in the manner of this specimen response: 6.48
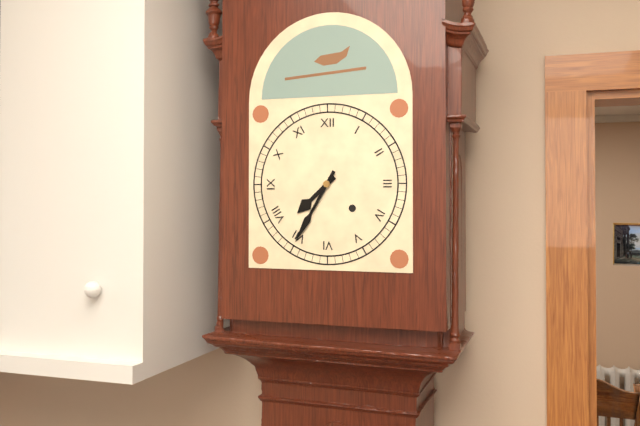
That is 7.35
